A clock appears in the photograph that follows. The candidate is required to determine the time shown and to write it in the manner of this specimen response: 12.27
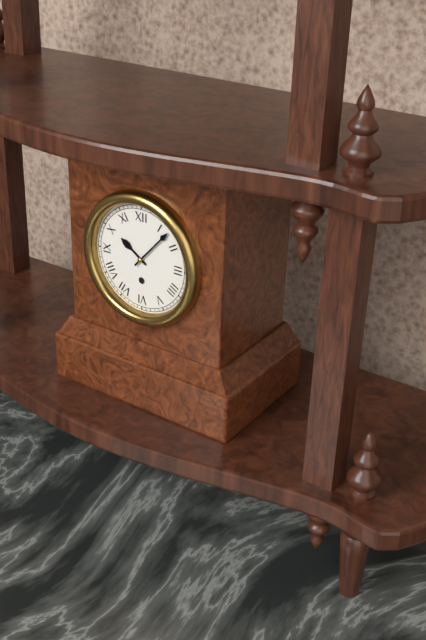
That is 10.07
